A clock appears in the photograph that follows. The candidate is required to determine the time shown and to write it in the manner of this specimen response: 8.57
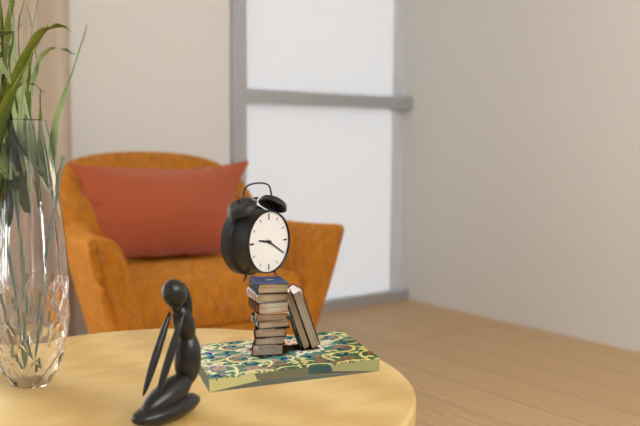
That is 9.20
